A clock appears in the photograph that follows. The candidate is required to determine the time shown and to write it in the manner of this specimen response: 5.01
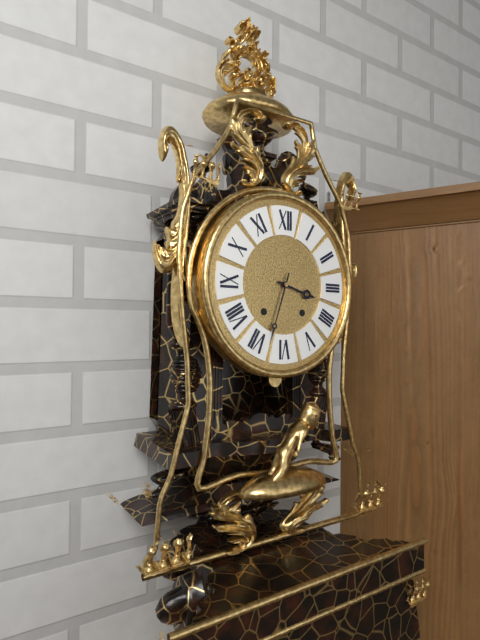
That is 3.33
